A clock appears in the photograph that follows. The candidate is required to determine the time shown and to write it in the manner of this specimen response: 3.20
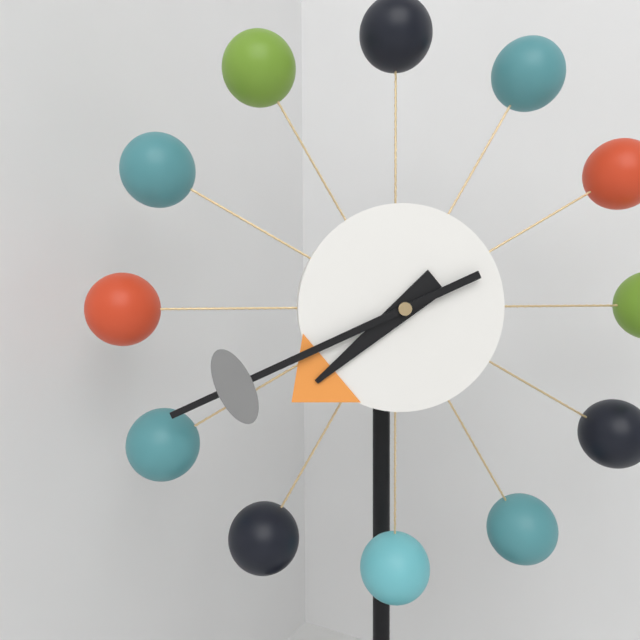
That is 7.41
